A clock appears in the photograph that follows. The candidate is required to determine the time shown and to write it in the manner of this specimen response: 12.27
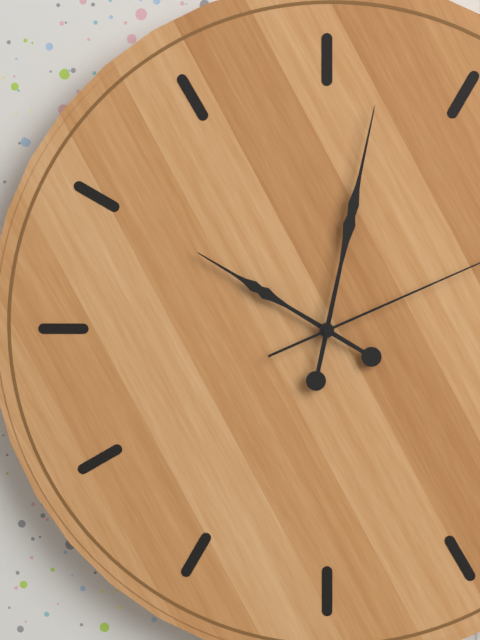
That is 10.02
